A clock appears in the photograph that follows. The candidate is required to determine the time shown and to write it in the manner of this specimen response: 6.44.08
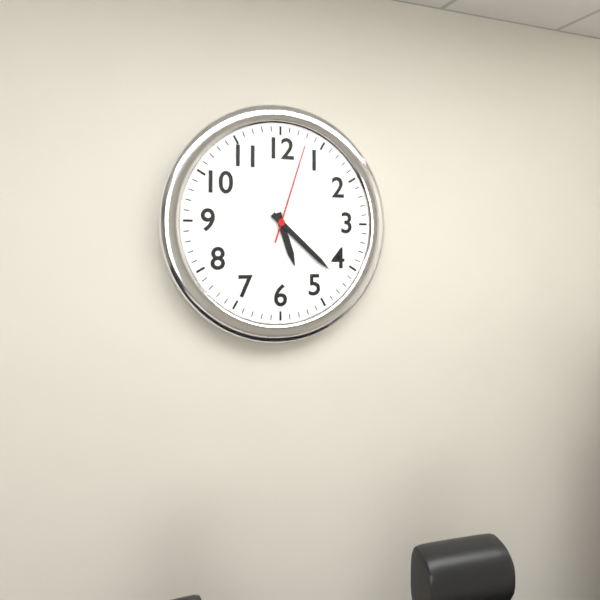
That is 5.22.03
